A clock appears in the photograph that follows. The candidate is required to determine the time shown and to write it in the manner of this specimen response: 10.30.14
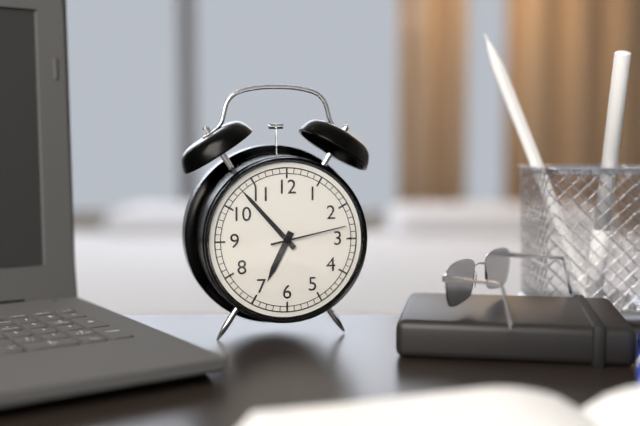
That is 6.53.13
